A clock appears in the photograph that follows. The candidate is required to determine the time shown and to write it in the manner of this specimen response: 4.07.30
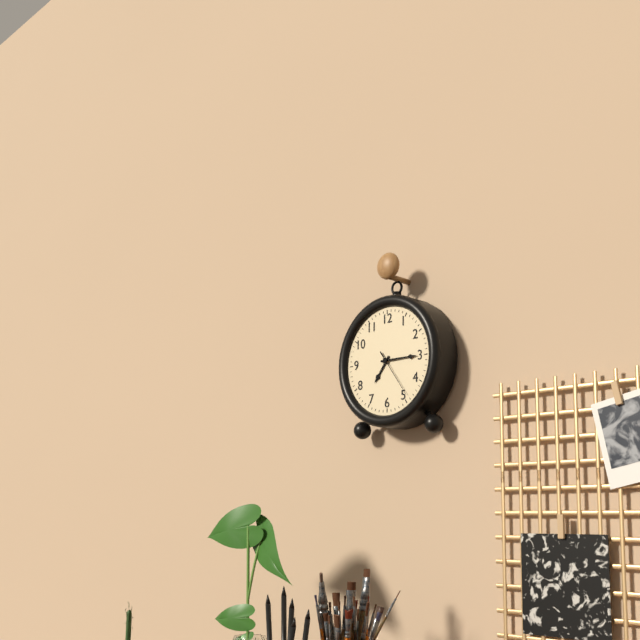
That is 7.15.24
